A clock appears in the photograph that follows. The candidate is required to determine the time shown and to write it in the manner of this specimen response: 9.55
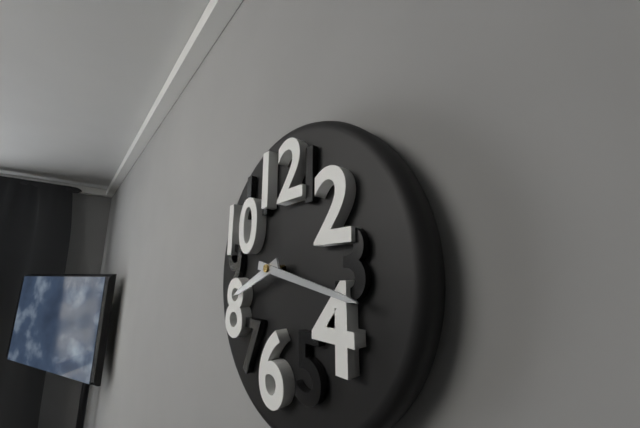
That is 8.17
